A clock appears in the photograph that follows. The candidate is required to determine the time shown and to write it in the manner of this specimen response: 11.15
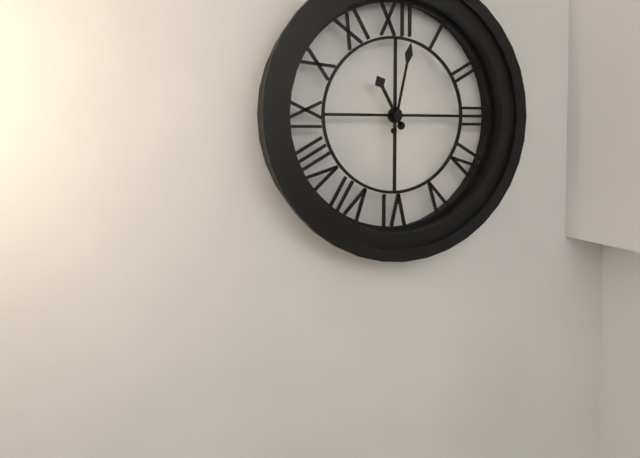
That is 11.02
